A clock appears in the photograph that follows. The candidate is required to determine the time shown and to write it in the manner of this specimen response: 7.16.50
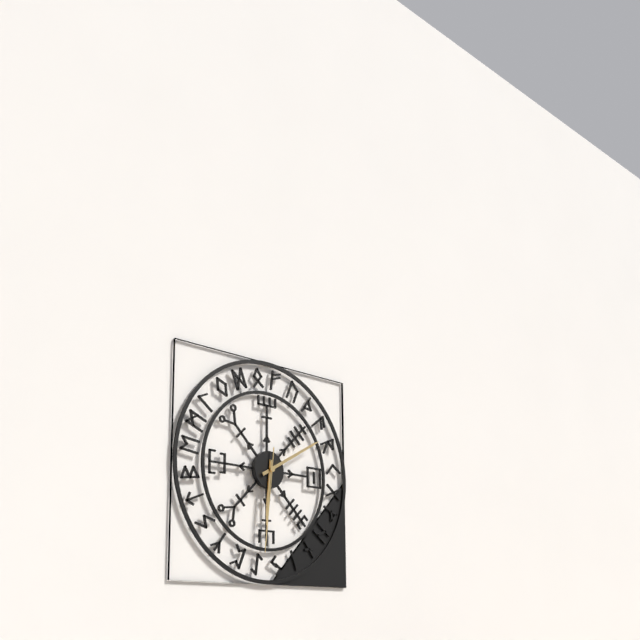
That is 6.10.31
